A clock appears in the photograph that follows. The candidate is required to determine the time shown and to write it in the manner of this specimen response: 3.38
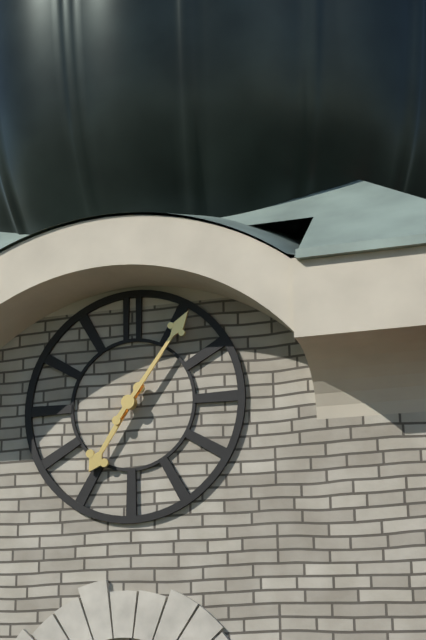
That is 7.06
